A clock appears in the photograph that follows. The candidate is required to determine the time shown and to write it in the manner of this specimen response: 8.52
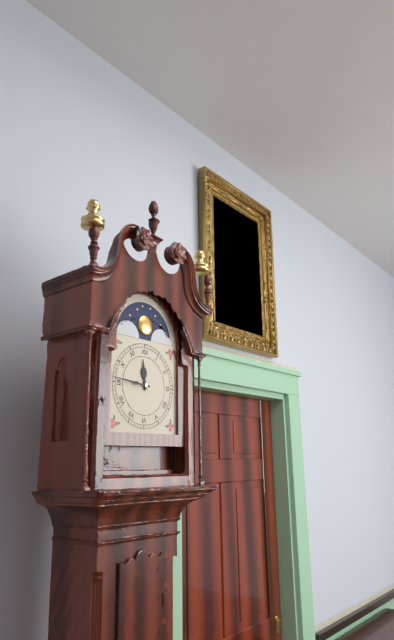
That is 11.46
